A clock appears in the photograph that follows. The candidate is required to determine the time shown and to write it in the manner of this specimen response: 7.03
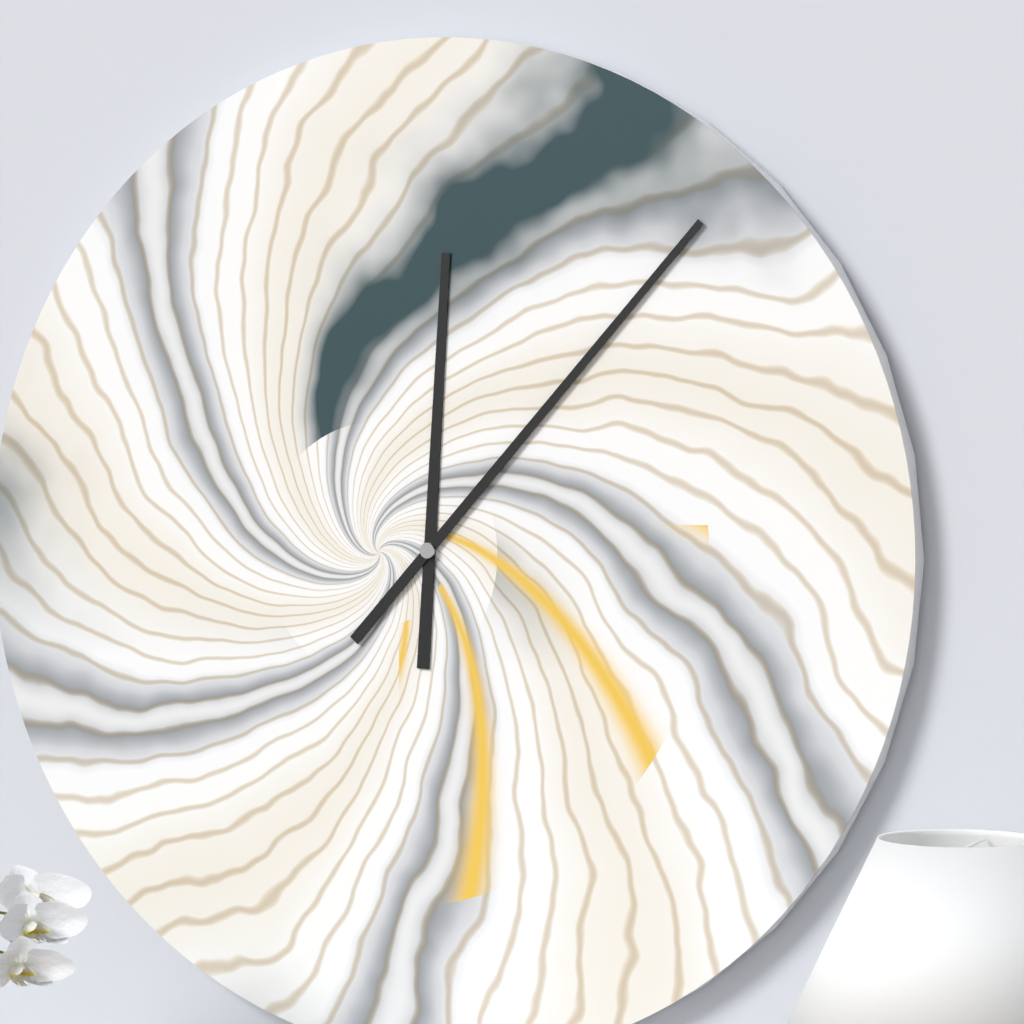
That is 12.07
